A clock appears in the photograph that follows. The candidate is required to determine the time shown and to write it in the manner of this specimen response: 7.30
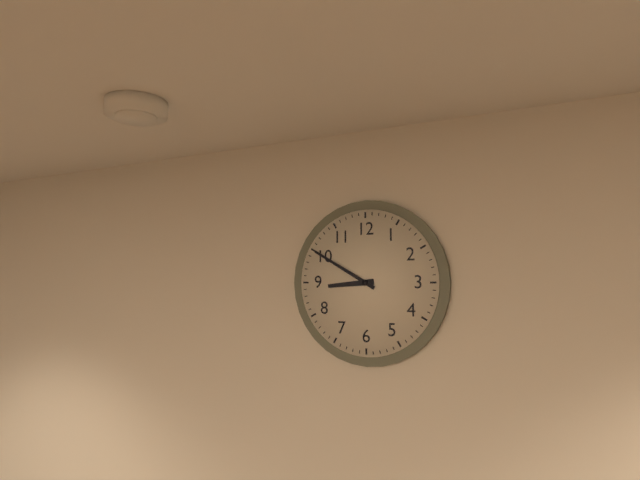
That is 8.50
